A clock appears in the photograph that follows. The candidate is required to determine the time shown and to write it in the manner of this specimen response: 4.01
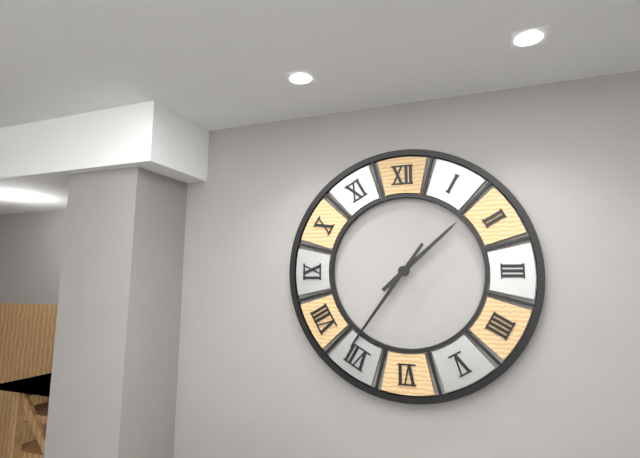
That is 1.36
